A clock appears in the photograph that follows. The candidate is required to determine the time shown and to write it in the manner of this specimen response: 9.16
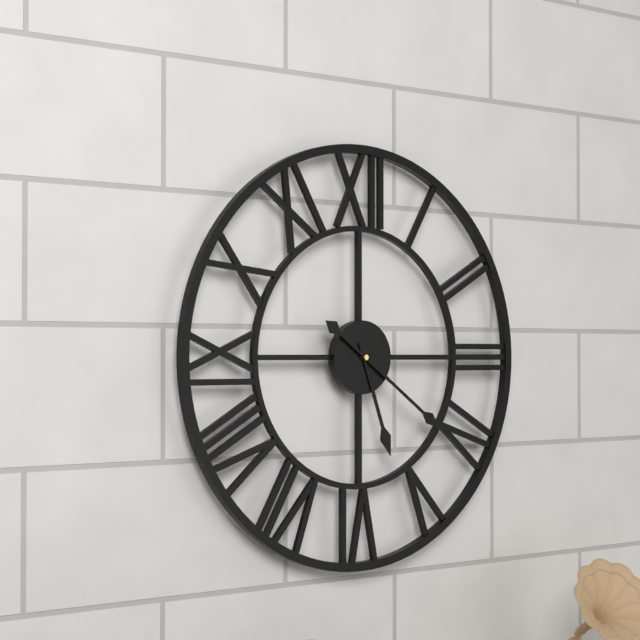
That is 5.21
